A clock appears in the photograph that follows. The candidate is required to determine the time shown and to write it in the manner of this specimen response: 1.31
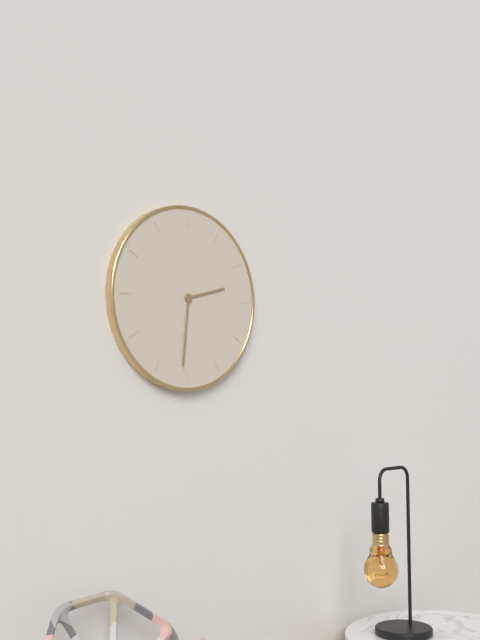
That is 2.31
